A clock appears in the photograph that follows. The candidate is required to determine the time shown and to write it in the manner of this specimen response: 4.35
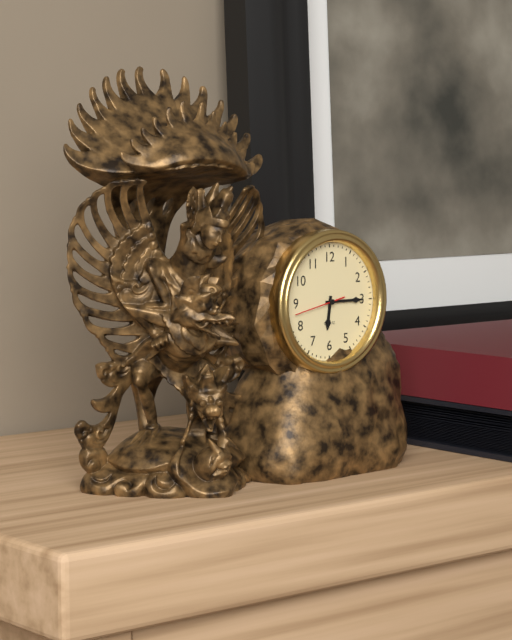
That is 6.15
